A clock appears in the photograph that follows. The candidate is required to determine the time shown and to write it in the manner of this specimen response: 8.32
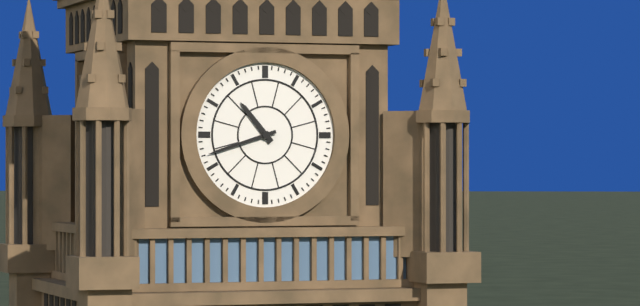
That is 10.42
